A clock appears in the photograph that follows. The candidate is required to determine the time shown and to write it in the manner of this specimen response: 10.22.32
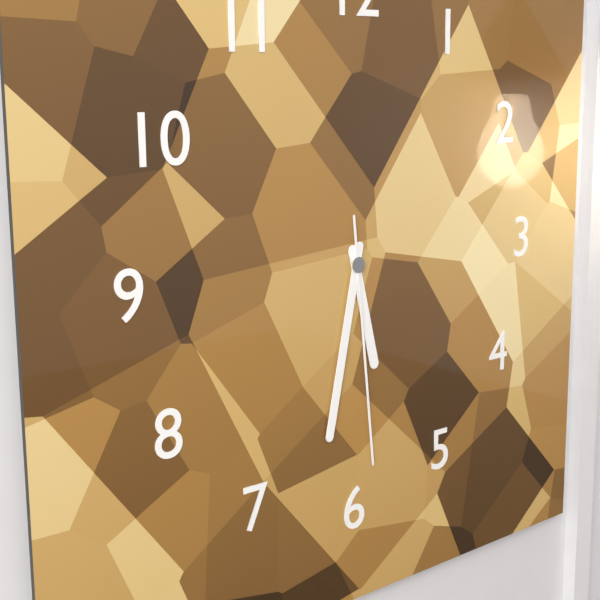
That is 5.32.29
